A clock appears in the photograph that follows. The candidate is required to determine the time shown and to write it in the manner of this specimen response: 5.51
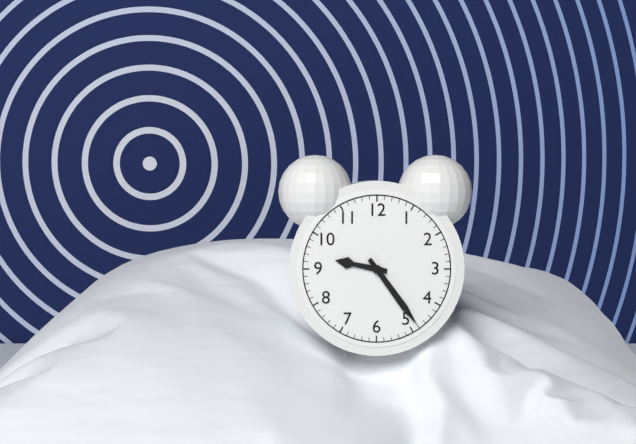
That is 9.24
